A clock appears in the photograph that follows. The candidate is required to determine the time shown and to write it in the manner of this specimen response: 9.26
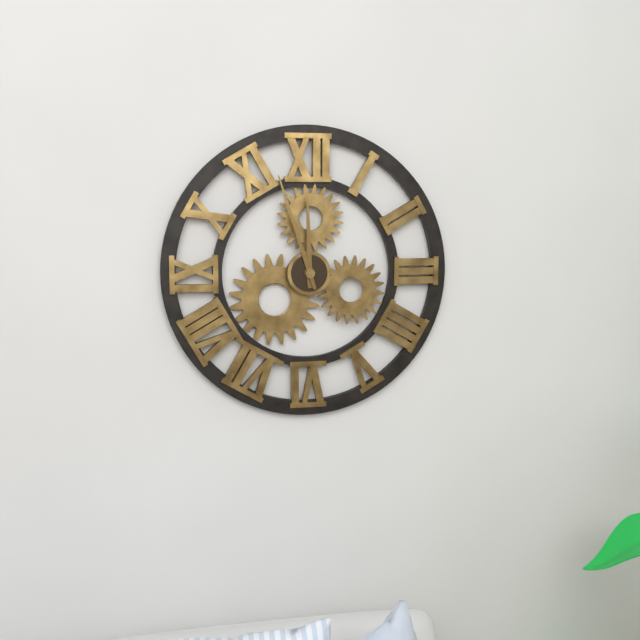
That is 11.57
